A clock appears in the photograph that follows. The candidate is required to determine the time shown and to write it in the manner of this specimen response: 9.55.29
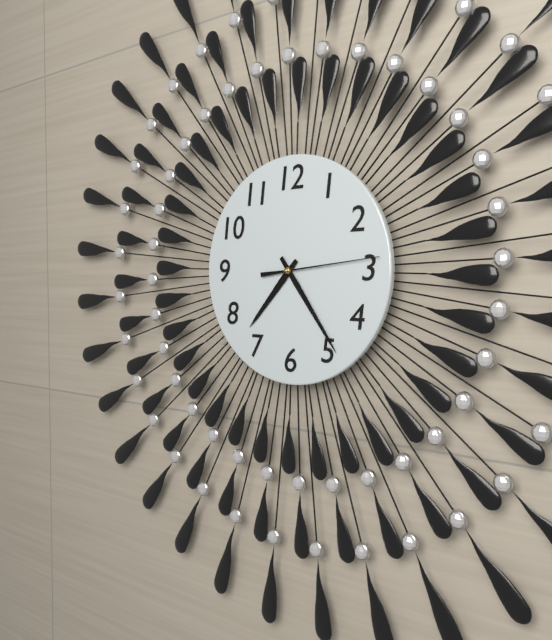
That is 7.24.14
